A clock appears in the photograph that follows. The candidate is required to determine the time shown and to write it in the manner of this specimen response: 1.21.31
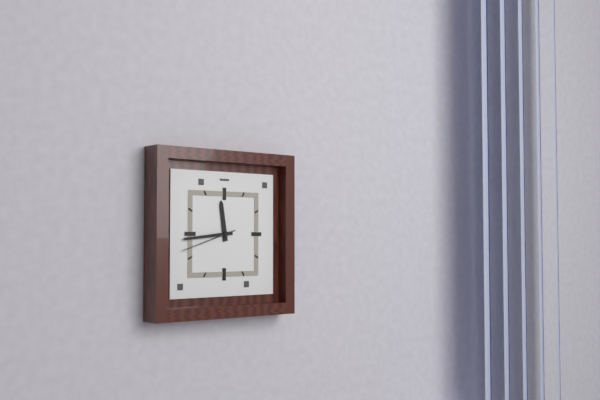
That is 11.44.42
